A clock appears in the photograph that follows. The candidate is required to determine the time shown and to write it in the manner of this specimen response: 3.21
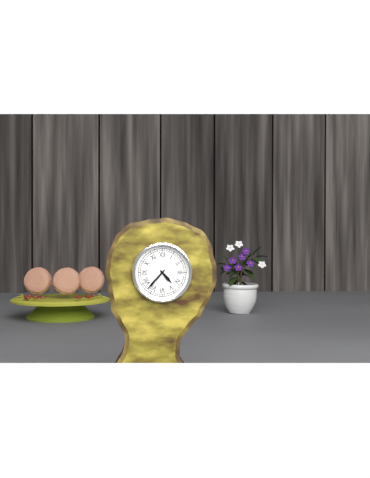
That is 4.37
